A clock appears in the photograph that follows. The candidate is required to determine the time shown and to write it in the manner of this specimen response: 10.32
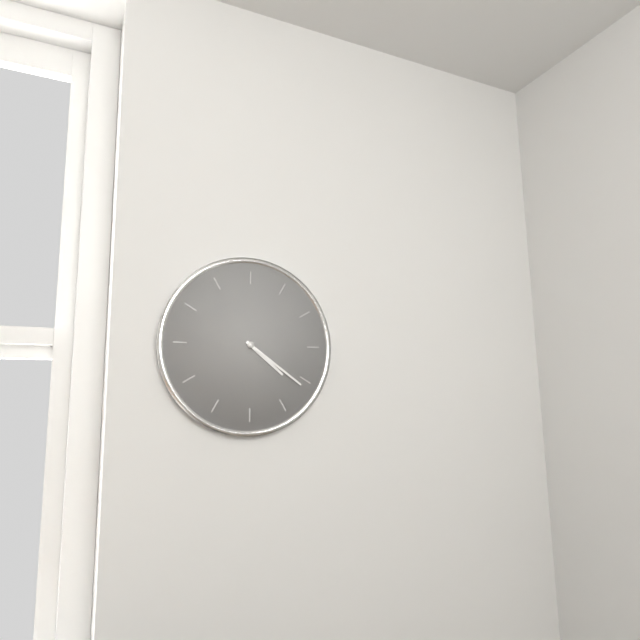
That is 4.21
